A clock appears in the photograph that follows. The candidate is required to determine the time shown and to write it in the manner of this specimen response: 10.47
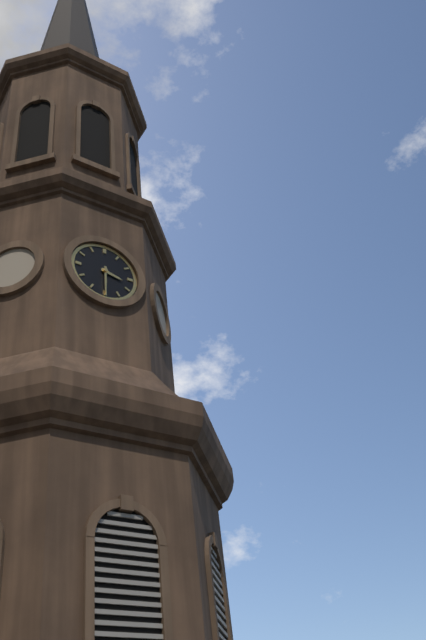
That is 3.30
